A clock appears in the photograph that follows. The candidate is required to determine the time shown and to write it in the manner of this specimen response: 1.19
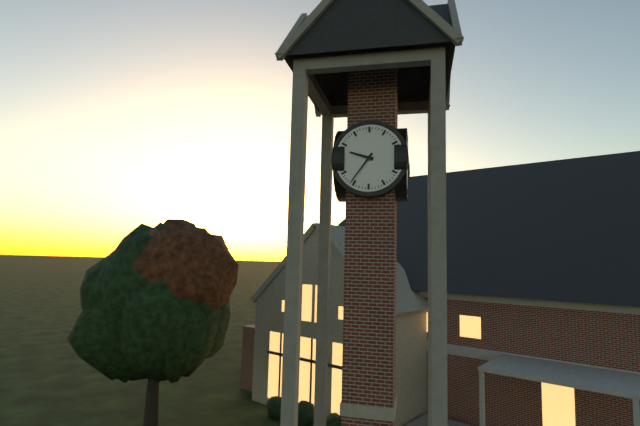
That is 9.36
